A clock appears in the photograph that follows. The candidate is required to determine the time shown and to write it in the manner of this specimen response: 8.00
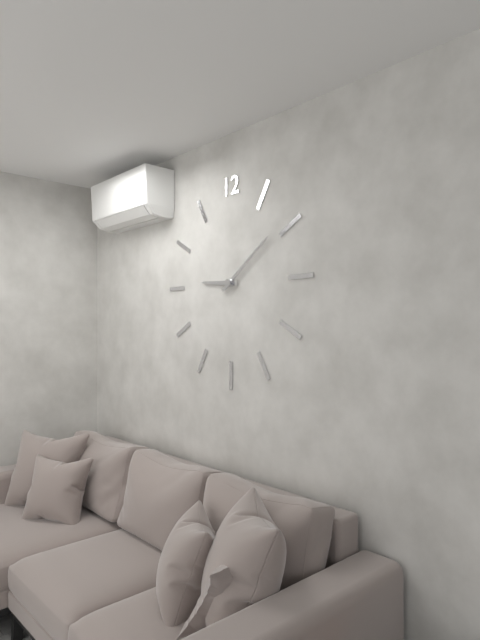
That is 9.09
